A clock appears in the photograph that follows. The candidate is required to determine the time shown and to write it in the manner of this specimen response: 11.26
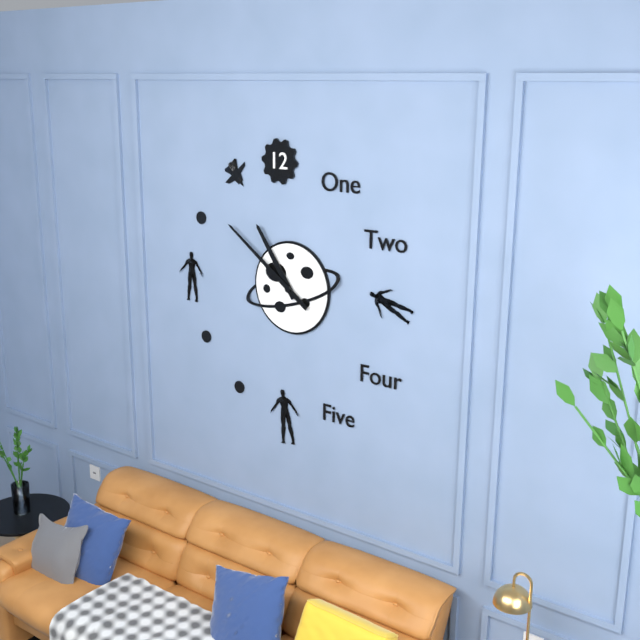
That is 10.51
